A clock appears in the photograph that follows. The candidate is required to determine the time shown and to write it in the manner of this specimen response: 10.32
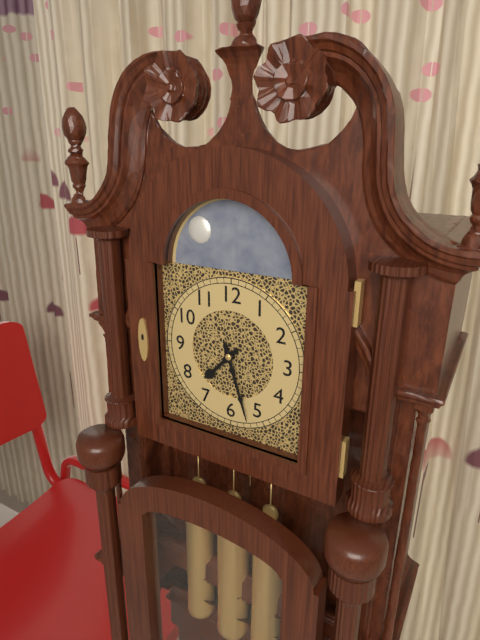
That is 7.27
